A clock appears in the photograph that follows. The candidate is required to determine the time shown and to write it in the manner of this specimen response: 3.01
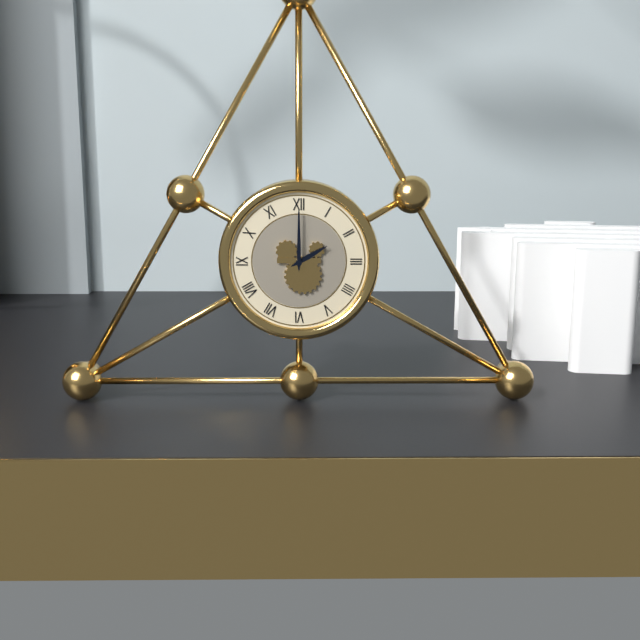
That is 2.00
